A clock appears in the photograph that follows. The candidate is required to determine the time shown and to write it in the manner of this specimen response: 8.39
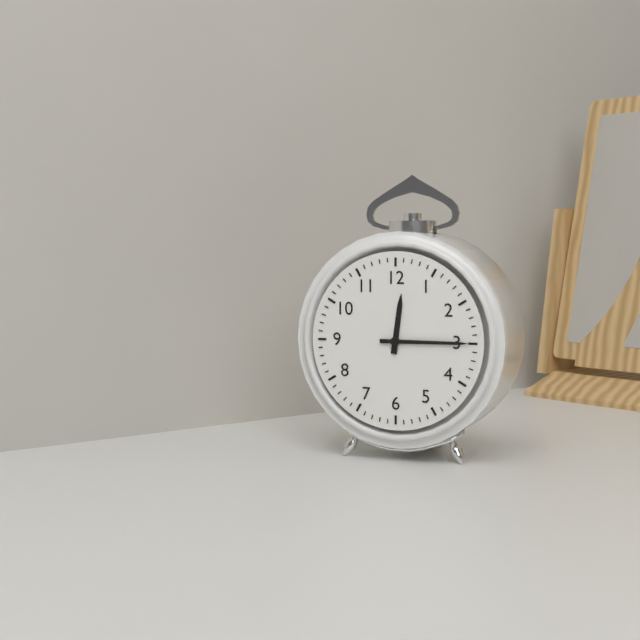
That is 12.15
